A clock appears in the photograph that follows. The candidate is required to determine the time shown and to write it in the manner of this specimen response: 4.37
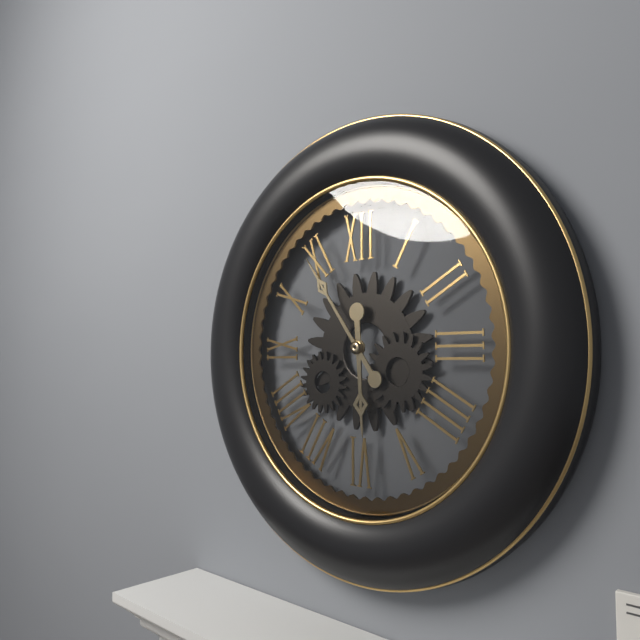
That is 5.54
